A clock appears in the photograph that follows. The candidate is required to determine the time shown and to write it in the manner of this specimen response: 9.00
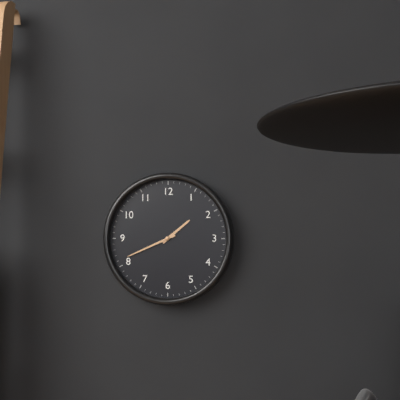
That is 1.41
